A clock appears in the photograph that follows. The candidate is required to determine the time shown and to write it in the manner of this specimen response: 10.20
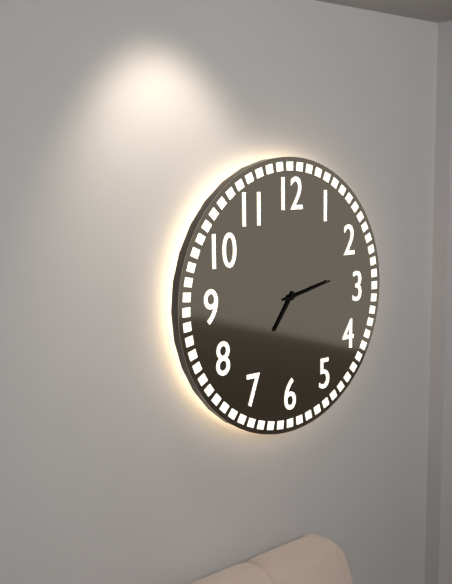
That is 7.13
